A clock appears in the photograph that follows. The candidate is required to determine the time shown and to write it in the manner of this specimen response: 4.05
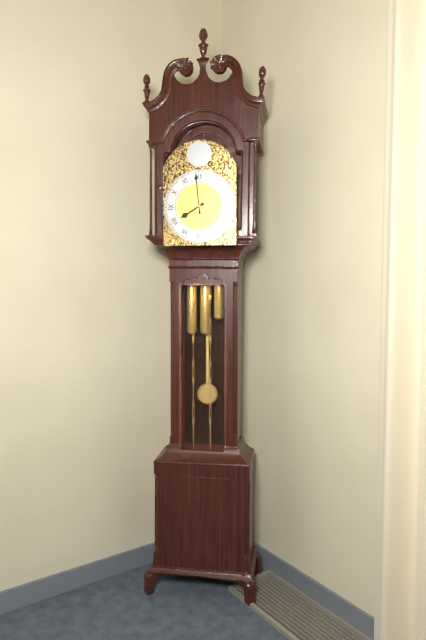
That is 7.59
